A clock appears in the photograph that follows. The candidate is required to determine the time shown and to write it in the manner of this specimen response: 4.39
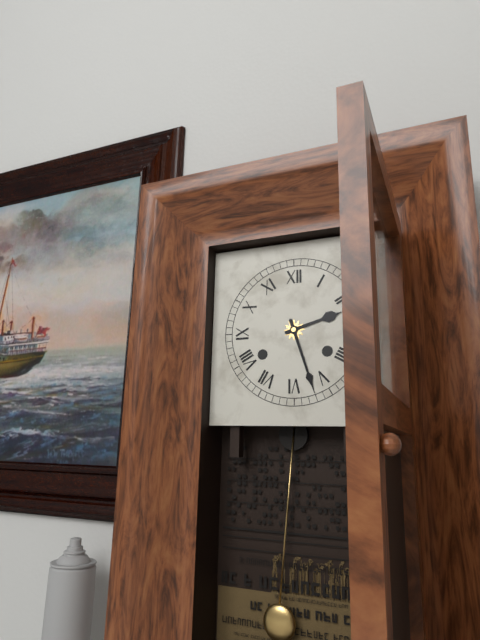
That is 2.27
